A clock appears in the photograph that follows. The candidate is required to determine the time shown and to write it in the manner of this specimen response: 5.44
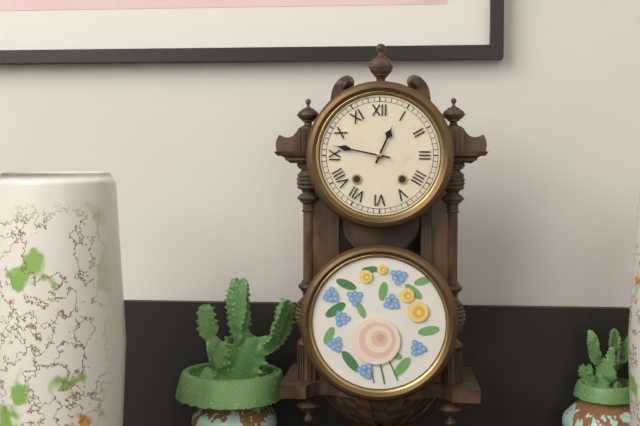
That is 12.47
